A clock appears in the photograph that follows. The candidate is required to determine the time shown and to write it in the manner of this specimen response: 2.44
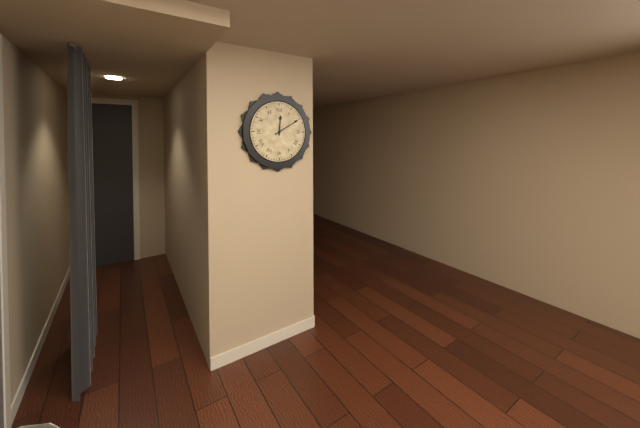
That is 12.10
